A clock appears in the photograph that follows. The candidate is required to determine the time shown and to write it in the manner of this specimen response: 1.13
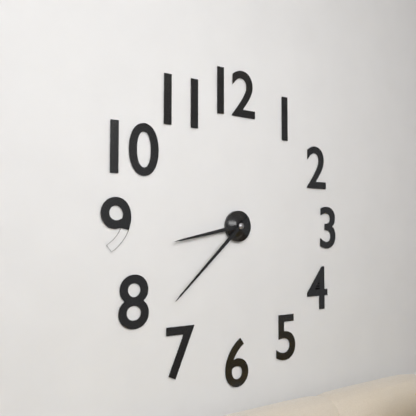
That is 8.38
